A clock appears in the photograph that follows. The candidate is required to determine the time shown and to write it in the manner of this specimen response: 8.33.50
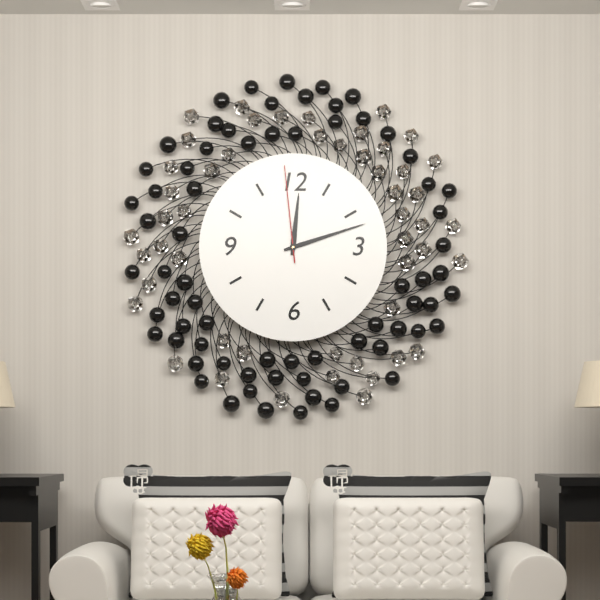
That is 12.12.59
